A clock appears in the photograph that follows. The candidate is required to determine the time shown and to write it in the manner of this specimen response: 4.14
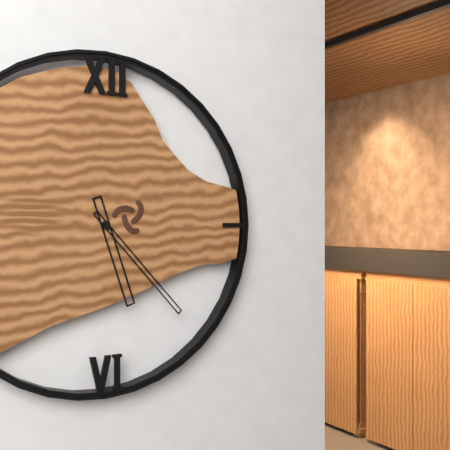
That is 5.23
